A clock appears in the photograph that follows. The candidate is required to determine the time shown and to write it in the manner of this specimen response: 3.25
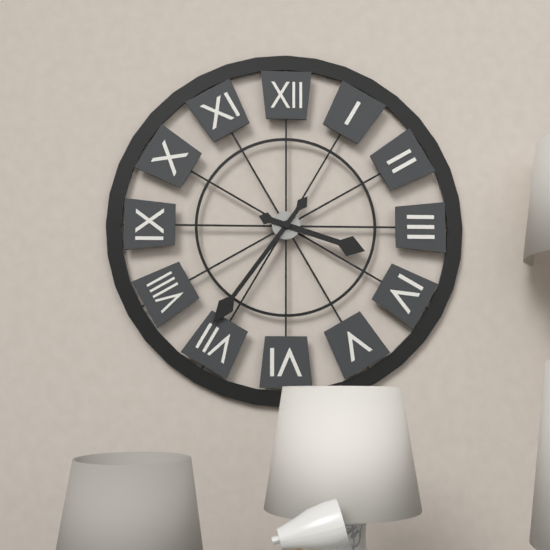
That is 3.36
